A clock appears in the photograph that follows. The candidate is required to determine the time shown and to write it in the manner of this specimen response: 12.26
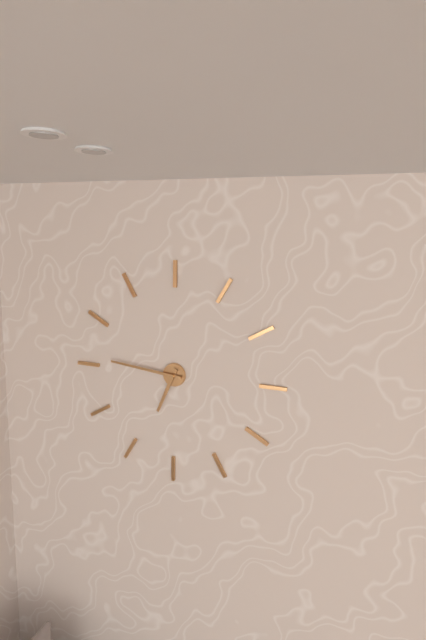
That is 6.46
